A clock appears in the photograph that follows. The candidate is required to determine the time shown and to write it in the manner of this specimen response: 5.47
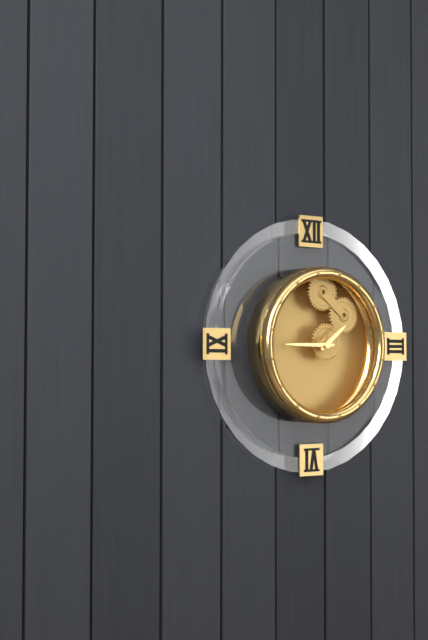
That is 1.45
